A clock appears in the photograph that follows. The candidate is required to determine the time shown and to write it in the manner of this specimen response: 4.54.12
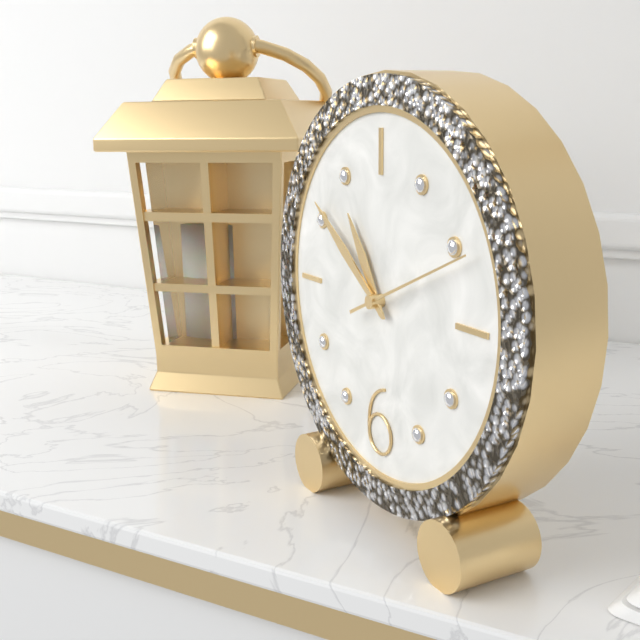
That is 10.51.11
